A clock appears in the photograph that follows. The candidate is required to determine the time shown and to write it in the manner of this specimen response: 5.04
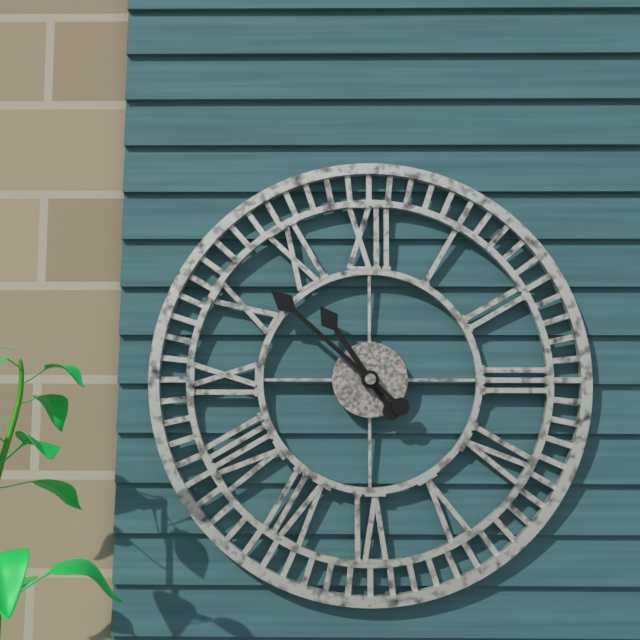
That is 10.52
